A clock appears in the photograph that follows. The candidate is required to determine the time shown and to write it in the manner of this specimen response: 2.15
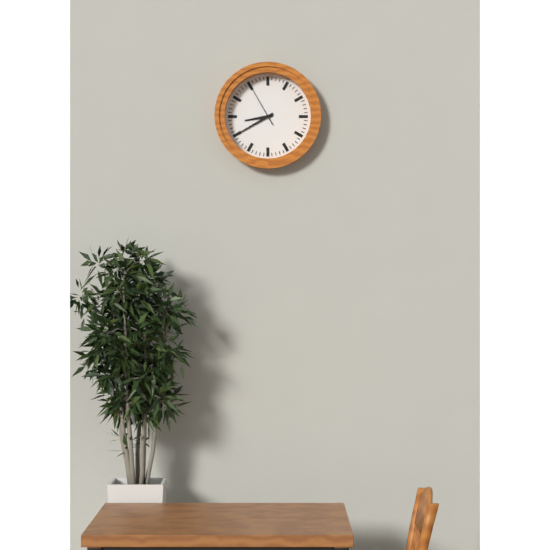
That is 8.40
